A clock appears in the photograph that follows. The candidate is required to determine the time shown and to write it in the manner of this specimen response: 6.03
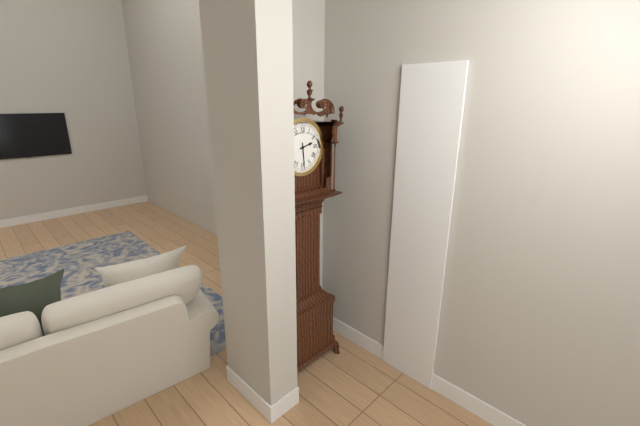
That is 2.29
